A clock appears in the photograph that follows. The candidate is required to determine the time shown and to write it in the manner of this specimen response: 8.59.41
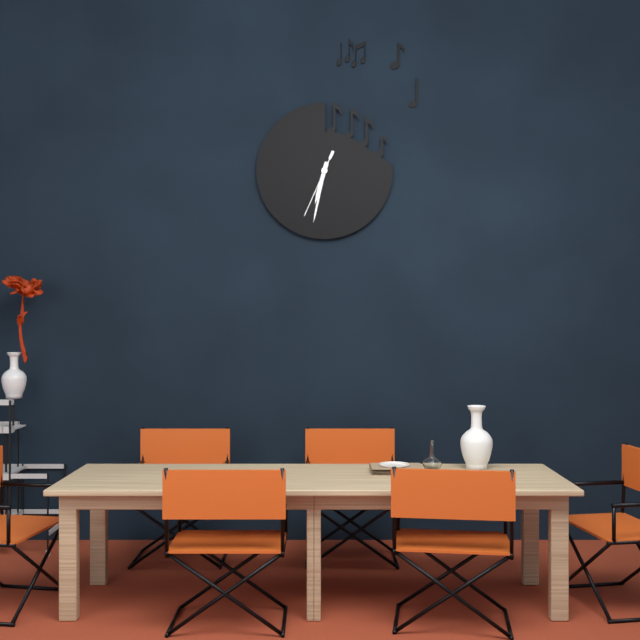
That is 6.32.34
